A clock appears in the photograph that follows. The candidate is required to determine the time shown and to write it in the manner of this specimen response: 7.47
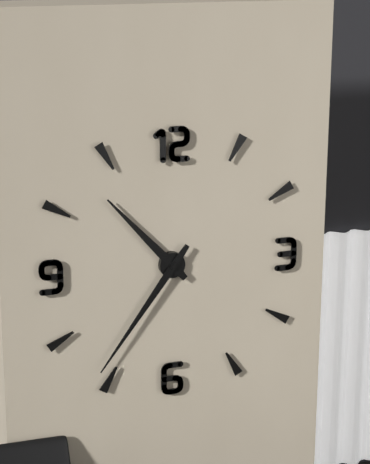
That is 10.36
